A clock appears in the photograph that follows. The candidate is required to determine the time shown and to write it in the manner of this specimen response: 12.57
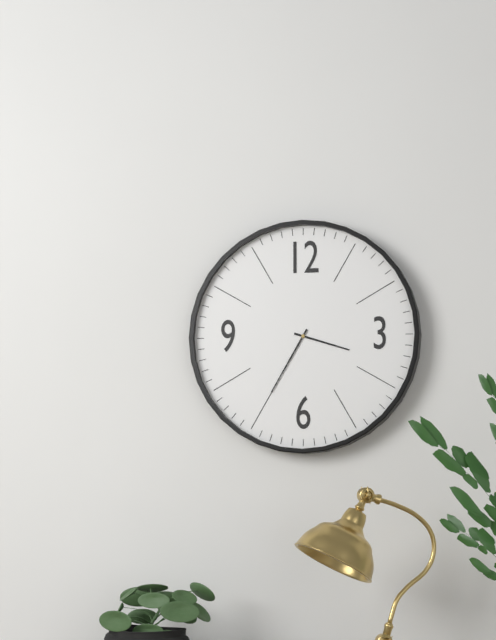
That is 3.35
